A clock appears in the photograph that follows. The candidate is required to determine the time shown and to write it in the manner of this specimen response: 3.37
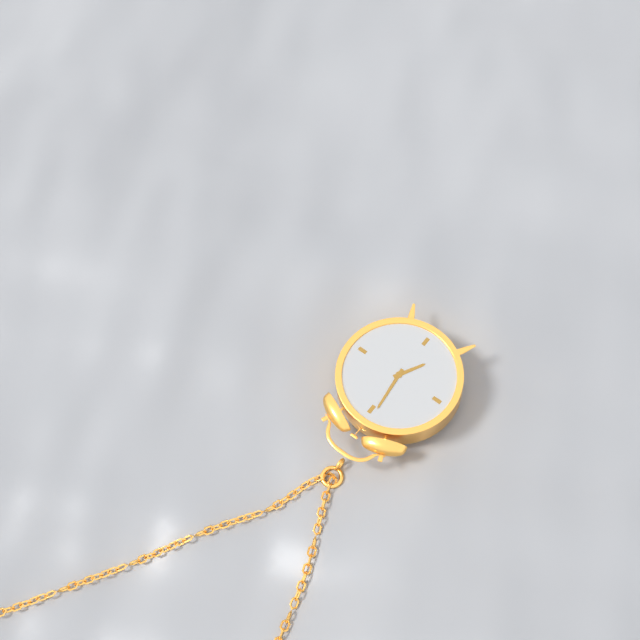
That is 6.59
